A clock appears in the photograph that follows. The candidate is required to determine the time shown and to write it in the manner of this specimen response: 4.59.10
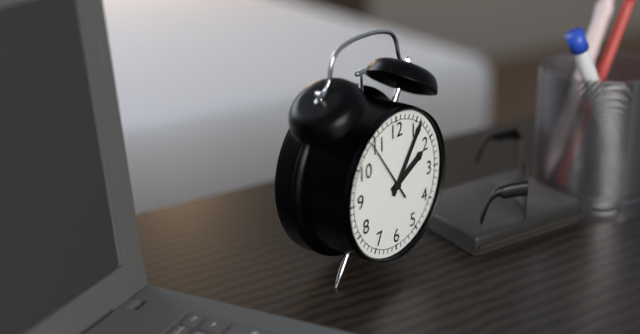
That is 2.06.54
